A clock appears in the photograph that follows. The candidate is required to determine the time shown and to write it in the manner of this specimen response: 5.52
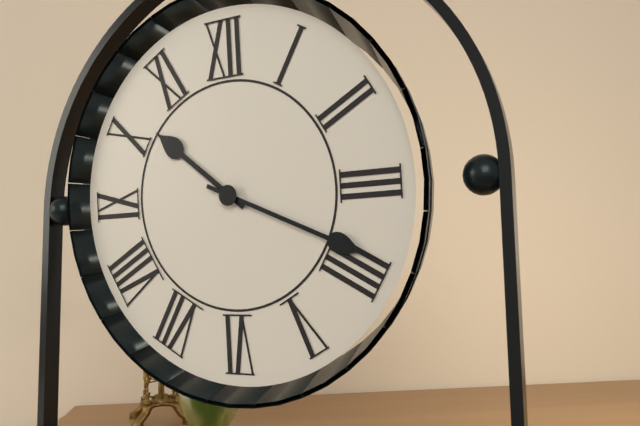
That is 10.19
